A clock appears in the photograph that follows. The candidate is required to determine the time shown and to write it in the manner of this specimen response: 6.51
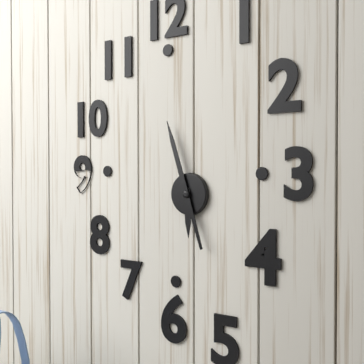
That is 5.57
